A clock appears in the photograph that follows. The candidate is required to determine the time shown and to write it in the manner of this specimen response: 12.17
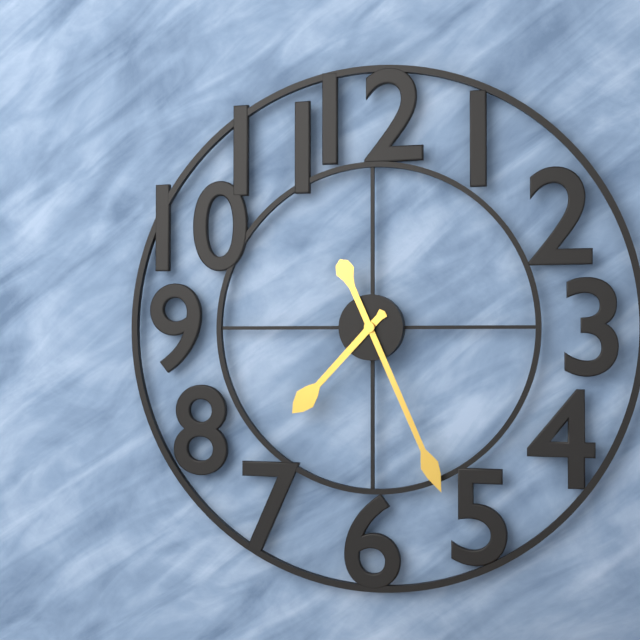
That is 7.26
